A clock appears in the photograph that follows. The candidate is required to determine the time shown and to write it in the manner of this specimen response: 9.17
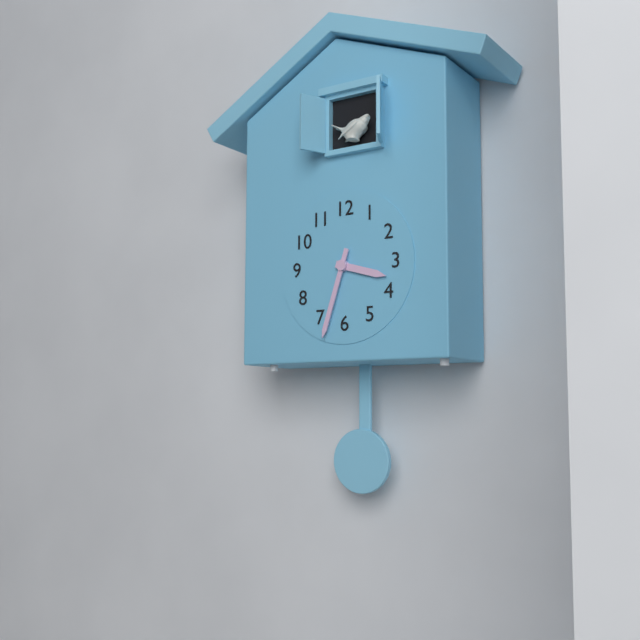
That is 3.33
